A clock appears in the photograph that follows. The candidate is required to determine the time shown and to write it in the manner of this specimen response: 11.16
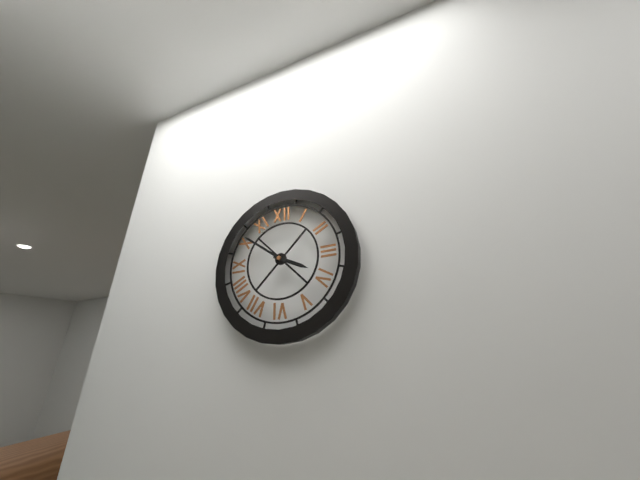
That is 3.51
